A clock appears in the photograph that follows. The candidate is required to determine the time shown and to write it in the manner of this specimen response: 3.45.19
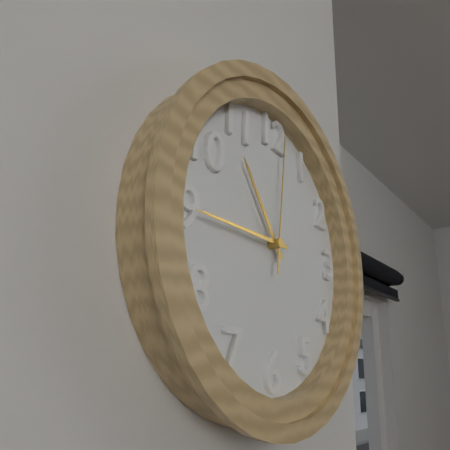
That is 10.45.01
